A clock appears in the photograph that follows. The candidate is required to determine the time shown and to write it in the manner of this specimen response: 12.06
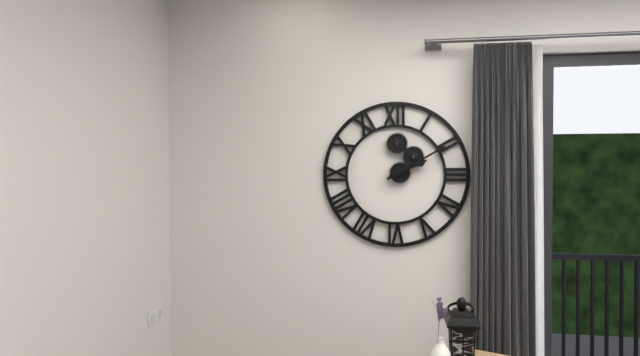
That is 2.10
